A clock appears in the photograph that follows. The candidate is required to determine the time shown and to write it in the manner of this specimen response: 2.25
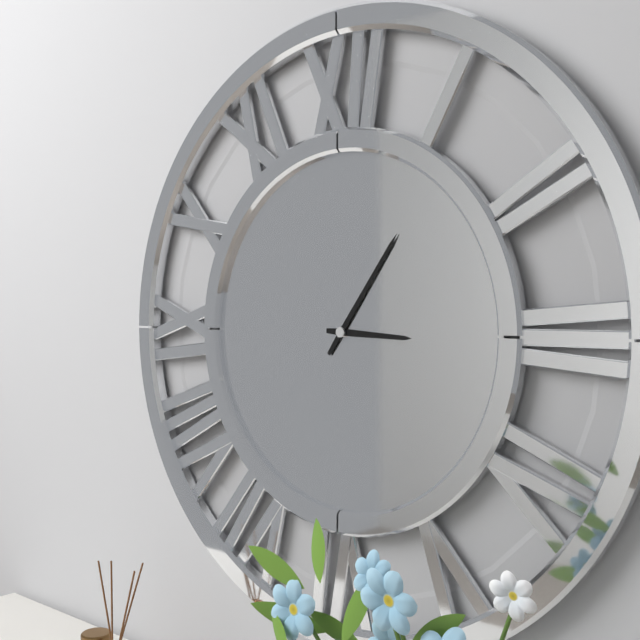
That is 3.06
